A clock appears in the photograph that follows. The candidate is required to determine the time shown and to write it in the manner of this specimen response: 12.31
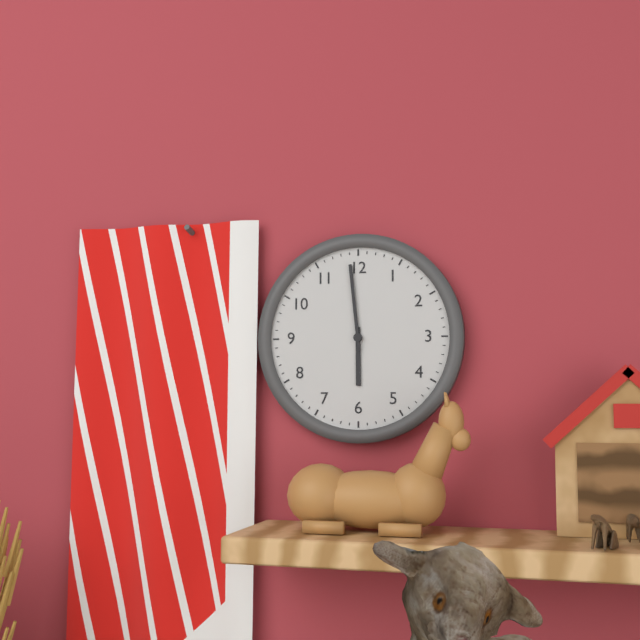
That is 5.59
